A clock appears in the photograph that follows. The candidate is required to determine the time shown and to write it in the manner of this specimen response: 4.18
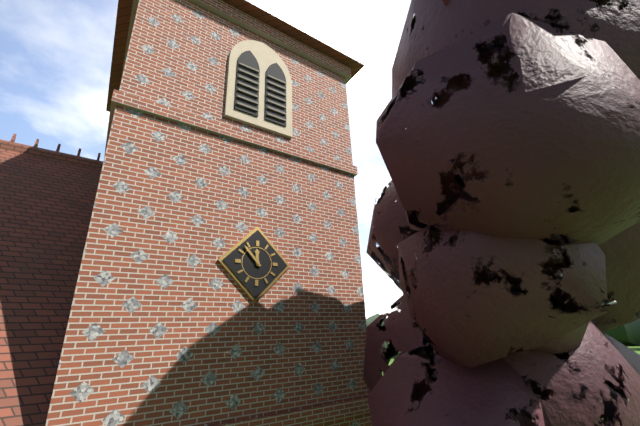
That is 11.53
